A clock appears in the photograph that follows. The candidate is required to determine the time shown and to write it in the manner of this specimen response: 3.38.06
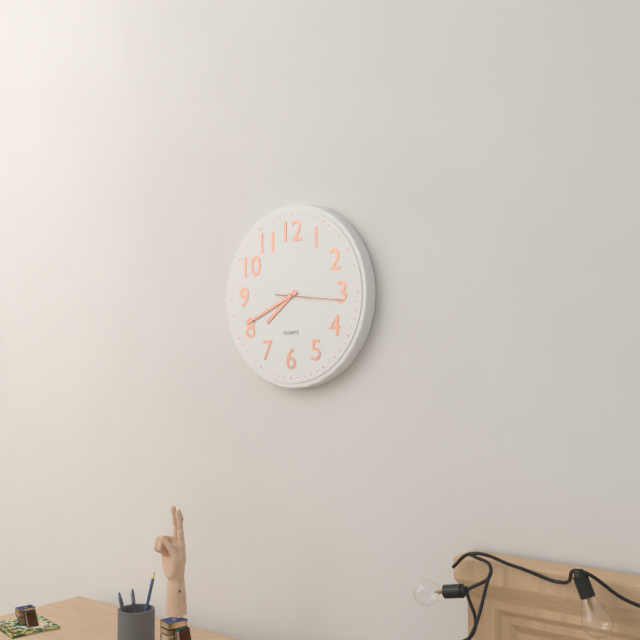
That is 7.41.16
